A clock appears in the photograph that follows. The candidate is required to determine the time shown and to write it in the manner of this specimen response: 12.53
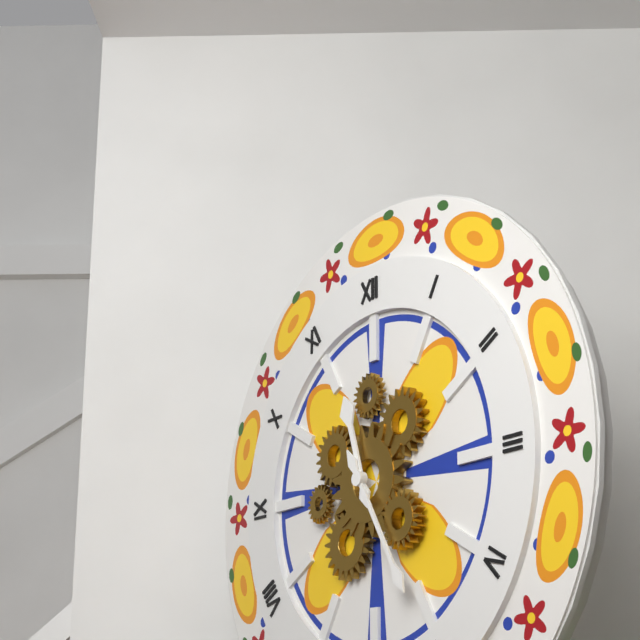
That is 11.25
